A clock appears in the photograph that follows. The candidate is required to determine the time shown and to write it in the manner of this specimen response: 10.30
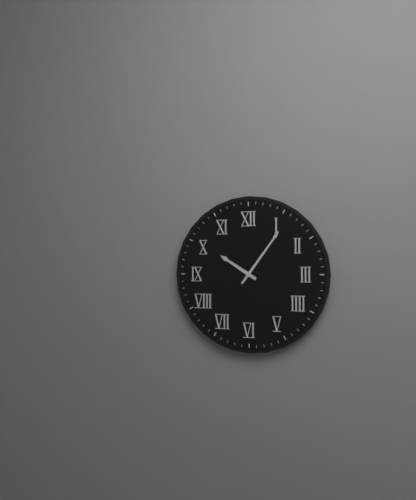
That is 10.06
